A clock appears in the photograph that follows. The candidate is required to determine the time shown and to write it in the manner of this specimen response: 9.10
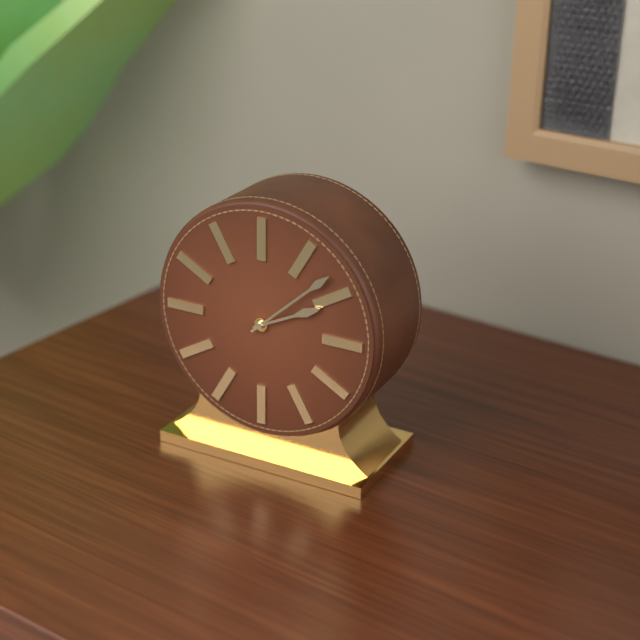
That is 2.08
